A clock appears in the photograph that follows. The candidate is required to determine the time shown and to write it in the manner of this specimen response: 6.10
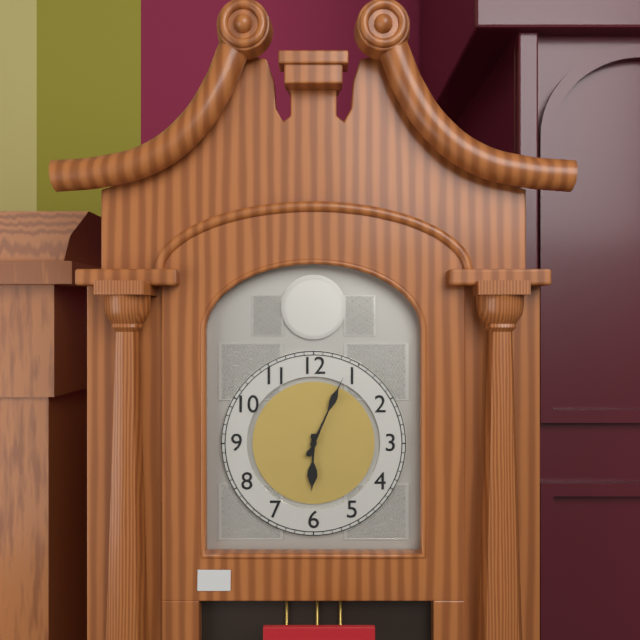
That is 6.04
